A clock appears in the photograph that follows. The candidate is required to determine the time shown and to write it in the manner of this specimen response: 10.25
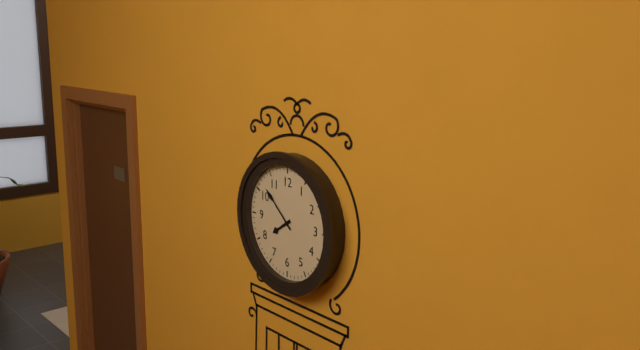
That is 7.52
